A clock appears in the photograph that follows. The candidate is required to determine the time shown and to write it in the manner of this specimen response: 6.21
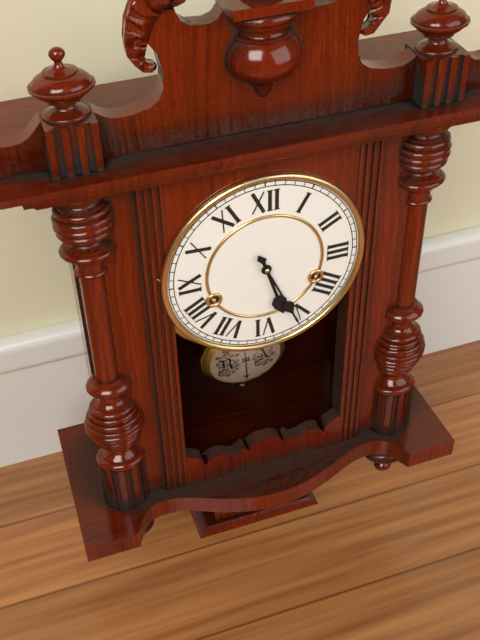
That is 5.26
